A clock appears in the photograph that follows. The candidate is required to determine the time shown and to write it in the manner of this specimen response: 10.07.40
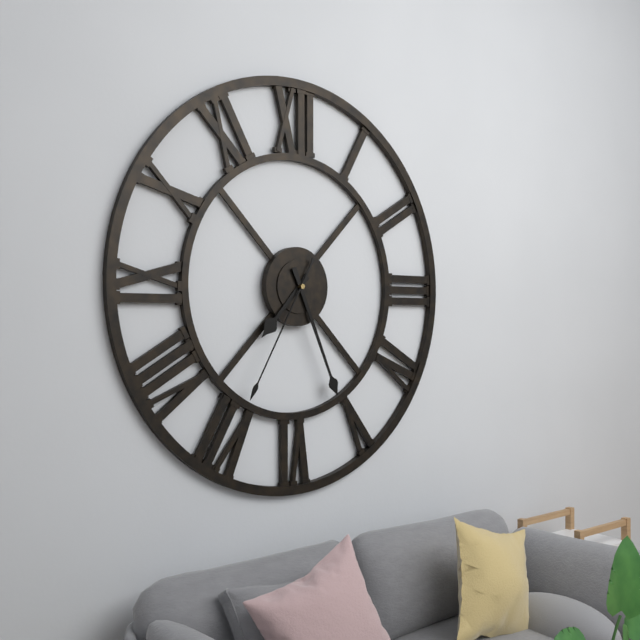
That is 7.26.35
